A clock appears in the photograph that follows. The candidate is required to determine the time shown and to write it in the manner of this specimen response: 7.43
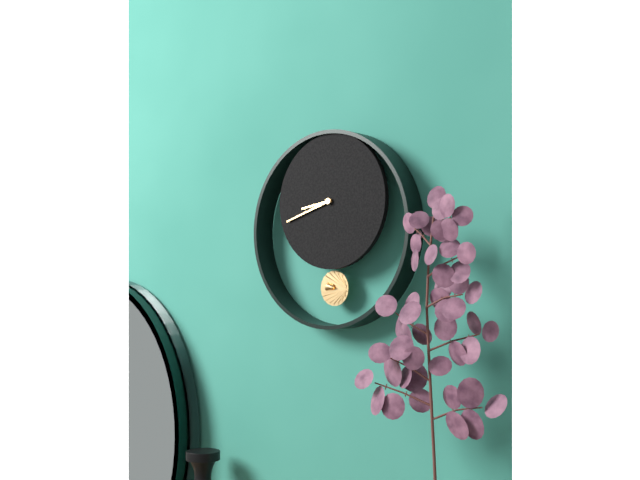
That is 8.42
